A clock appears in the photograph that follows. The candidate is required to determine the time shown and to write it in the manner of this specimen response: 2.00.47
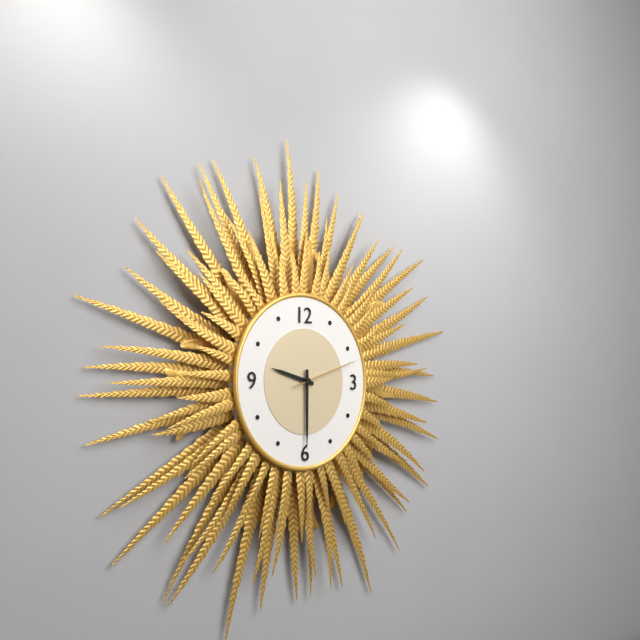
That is 9.30.12
